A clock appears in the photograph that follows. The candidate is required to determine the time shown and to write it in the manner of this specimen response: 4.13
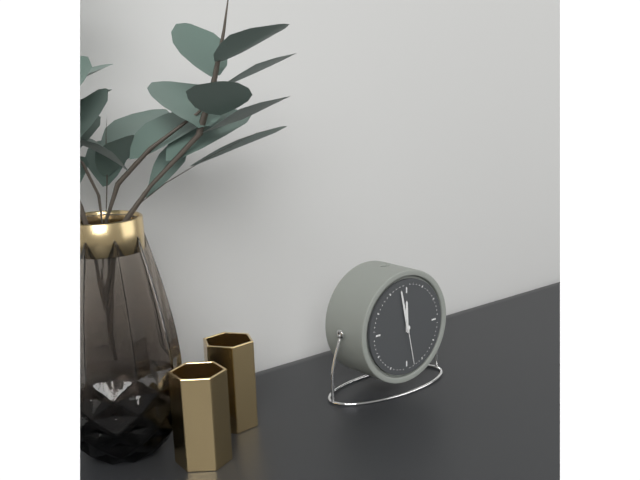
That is 11.58
